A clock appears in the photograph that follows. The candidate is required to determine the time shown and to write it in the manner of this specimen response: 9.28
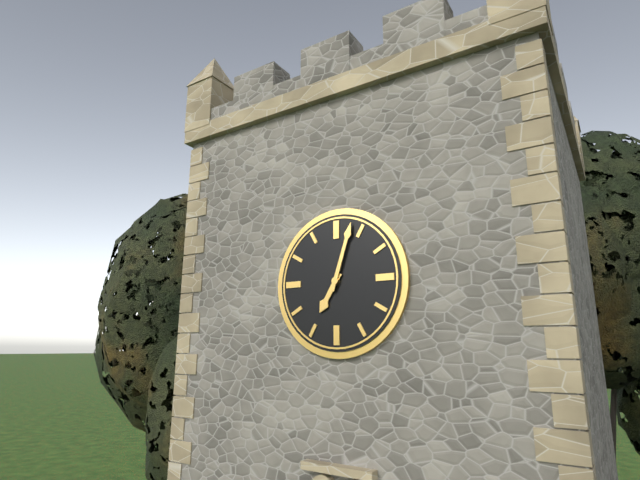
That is 7.03
